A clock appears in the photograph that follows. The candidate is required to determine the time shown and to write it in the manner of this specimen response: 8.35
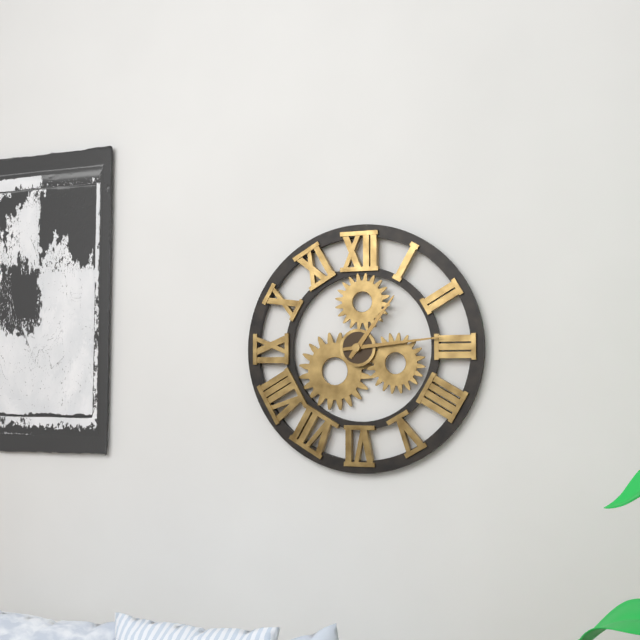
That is 1.14
